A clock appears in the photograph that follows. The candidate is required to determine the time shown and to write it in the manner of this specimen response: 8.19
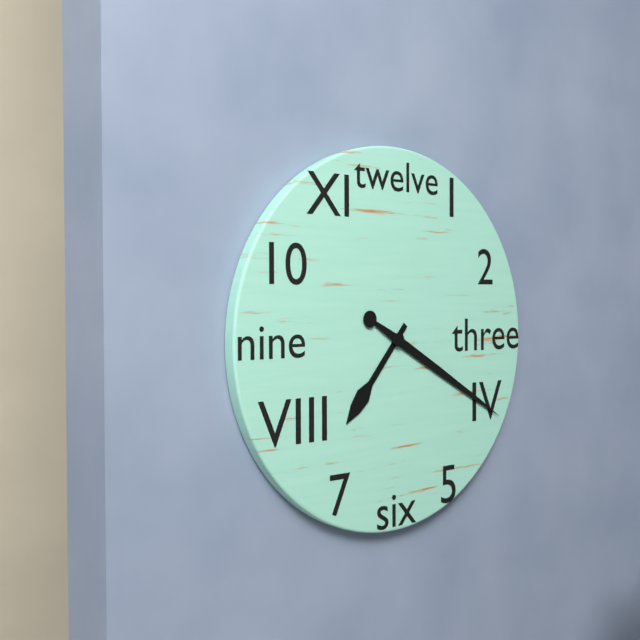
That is 7.20
